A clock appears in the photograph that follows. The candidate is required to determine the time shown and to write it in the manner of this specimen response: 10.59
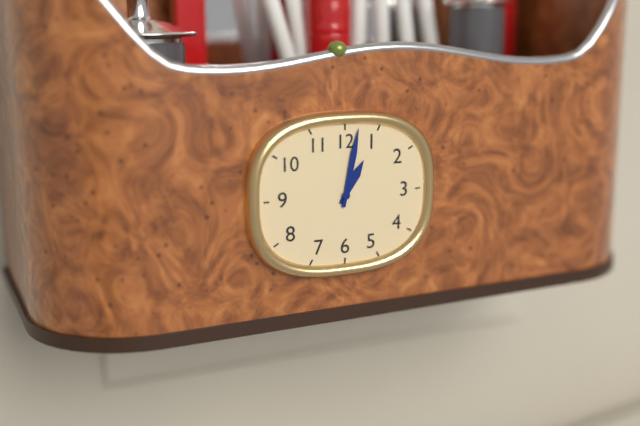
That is 1.02
